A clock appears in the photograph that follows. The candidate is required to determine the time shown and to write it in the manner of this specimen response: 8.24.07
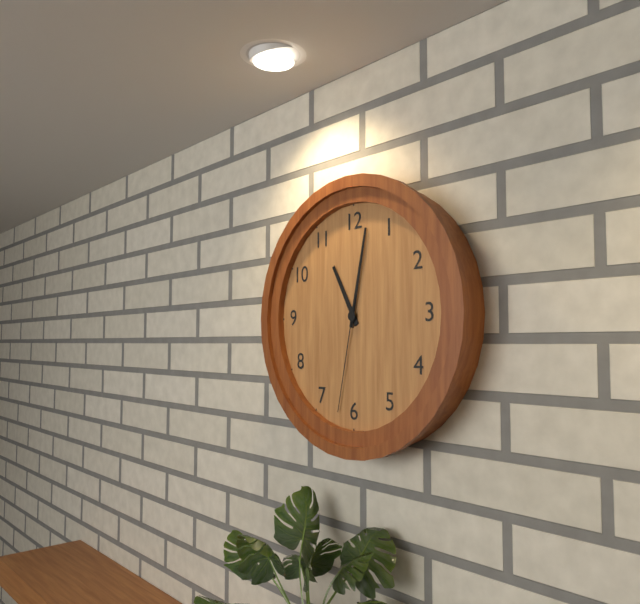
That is 11.02.32
